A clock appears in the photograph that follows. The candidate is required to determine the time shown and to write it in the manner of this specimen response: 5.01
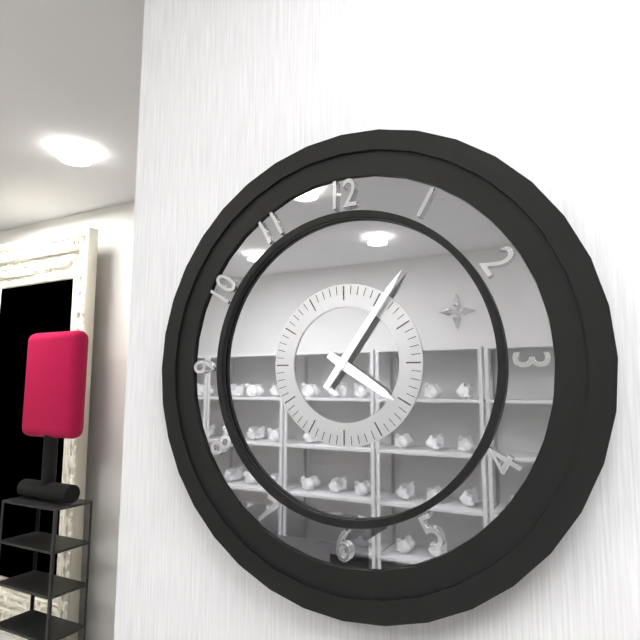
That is 4.06
